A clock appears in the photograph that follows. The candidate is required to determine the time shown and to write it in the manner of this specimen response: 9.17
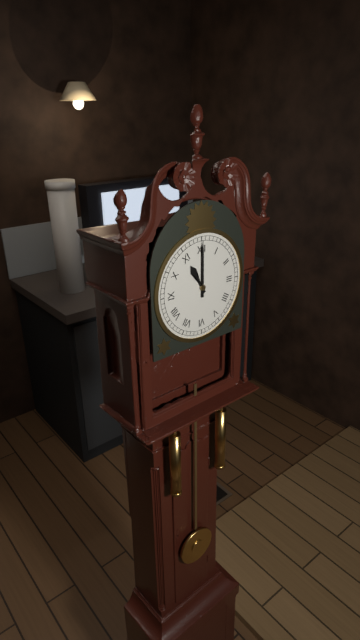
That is 11.00
